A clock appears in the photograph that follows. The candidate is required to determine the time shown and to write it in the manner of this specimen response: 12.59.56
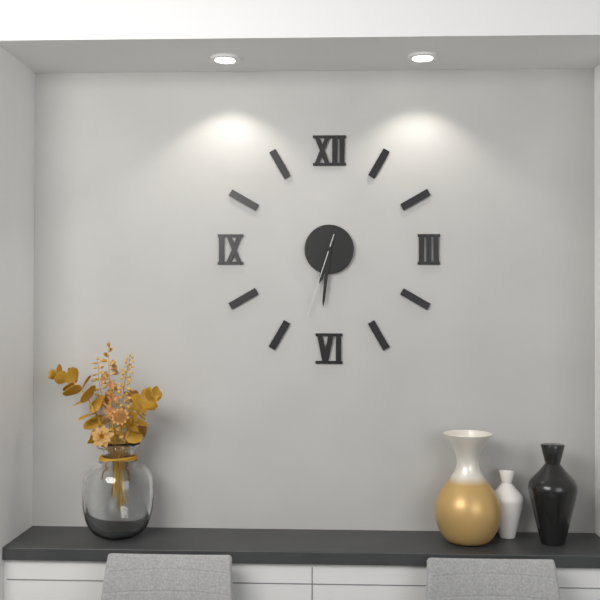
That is 6.31.33
